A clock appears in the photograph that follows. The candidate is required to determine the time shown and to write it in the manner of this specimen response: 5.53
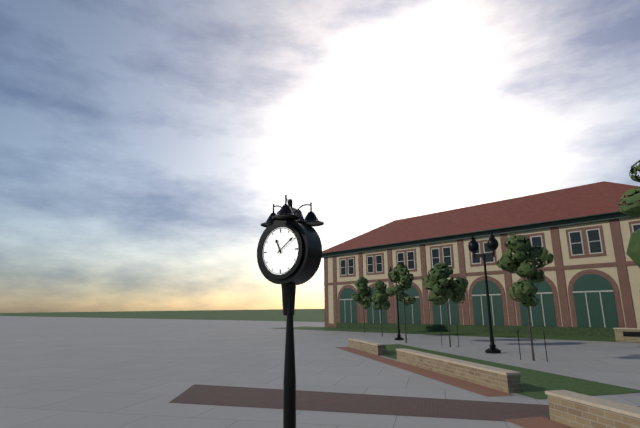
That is 11.09
